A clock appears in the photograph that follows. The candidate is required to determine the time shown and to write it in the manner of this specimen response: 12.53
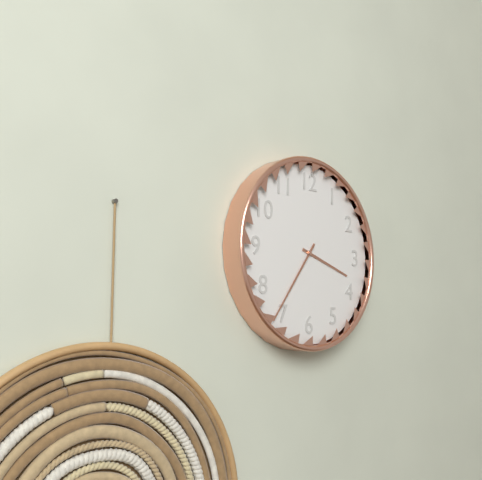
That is 3.36
